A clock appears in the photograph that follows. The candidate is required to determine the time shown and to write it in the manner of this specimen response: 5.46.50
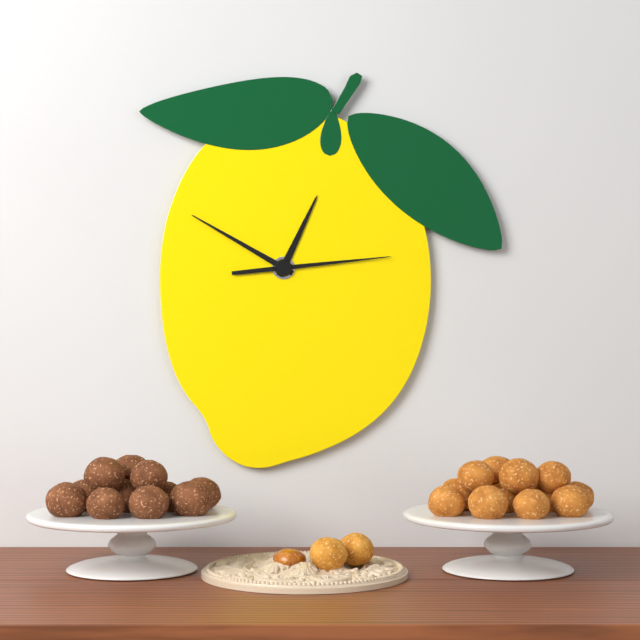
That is 12.50.14
